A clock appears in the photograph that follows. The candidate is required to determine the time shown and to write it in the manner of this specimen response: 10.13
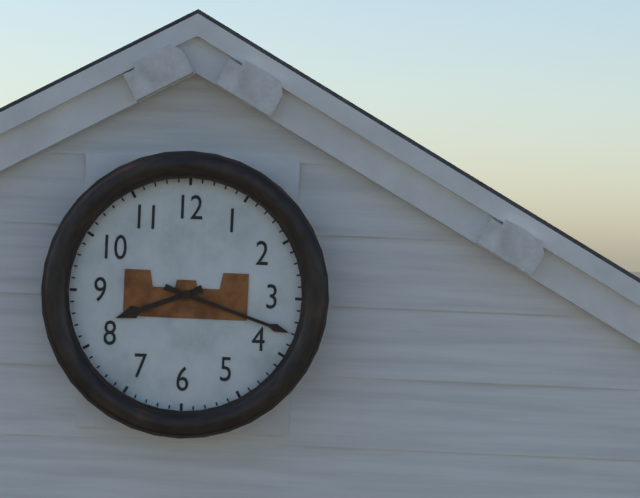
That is 8.18
